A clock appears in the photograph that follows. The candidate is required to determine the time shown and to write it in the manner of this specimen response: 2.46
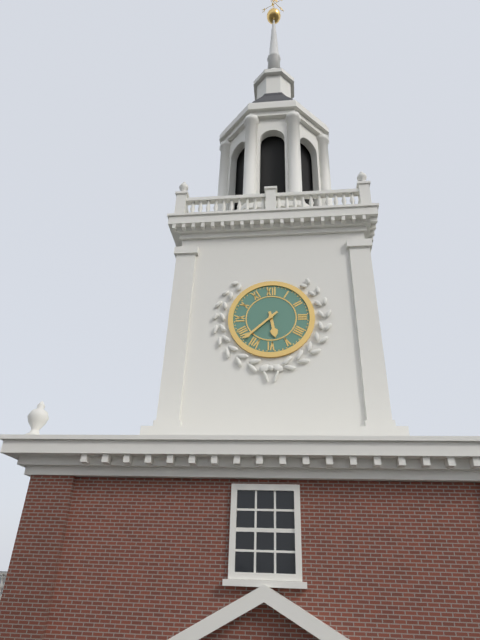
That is 5.38
